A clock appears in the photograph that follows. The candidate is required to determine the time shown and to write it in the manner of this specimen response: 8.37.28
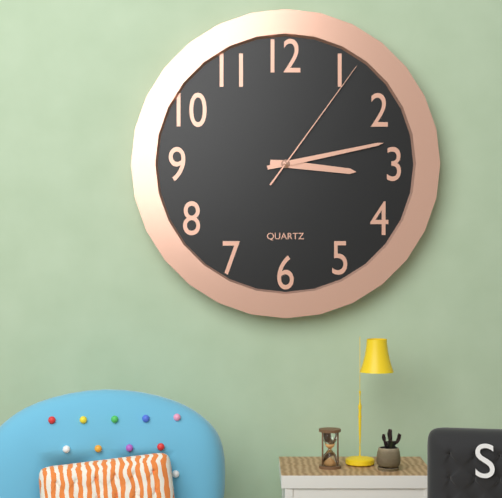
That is 3.13.06
